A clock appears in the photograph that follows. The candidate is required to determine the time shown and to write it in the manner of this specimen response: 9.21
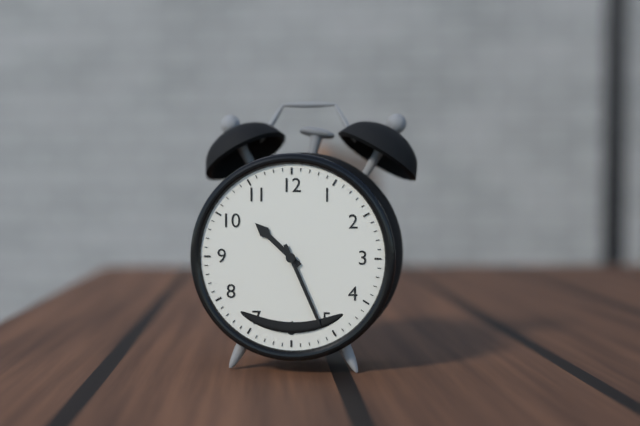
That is 10.26
